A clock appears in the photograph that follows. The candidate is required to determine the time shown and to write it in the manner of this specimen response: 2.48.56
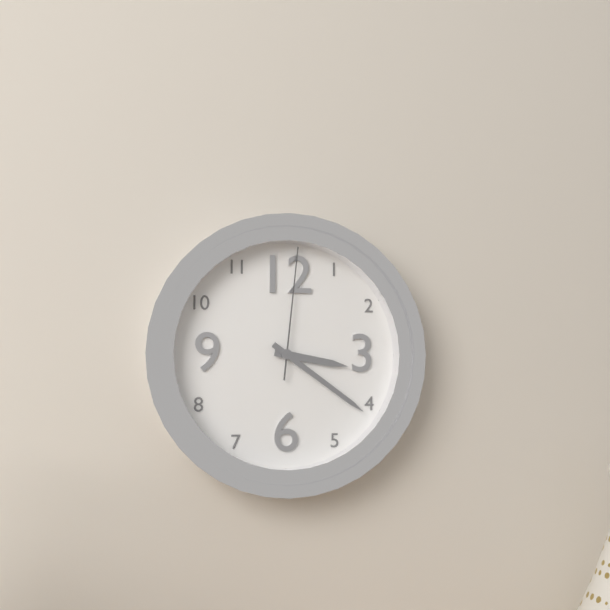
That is 3.21.01
